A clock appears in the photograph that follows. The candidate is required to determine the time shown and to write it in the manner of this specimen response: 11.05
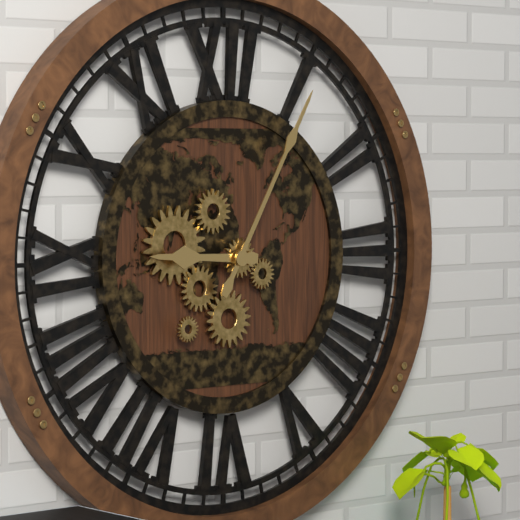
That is 9.05
